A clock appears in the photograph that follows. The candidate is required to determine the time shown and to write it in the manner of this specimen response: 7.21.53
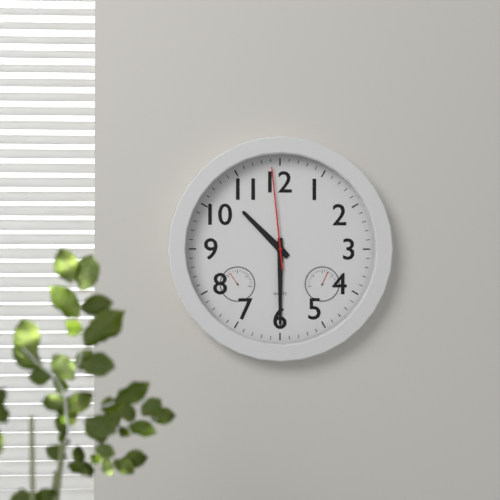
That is 10.30.59
